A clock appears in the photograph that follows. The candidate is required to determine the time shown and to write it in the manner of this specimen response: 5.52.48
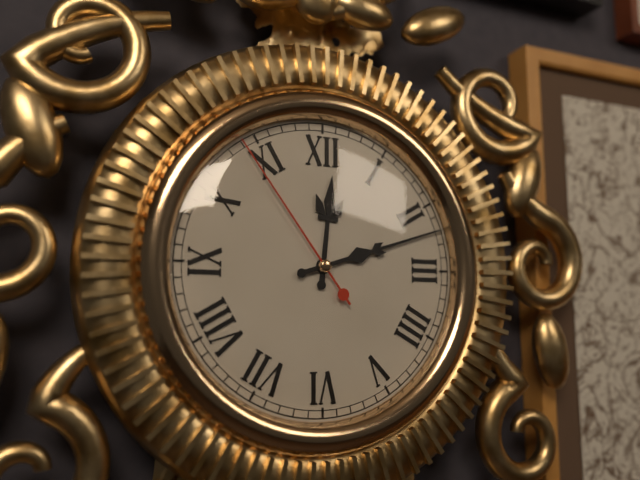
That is 12.12.54
